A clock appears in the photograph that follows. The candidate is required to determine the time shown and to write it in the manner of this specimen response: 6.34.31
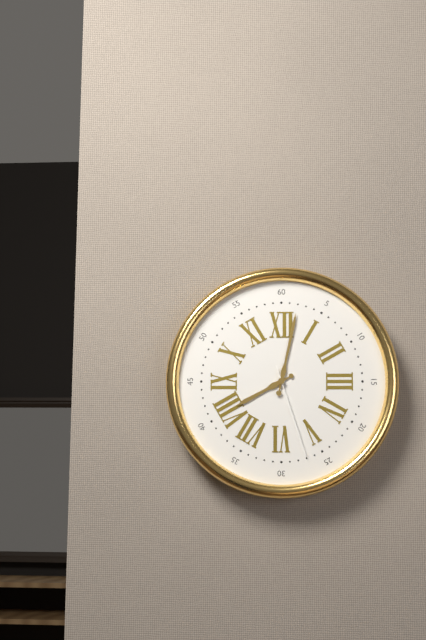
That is 8.02.27
